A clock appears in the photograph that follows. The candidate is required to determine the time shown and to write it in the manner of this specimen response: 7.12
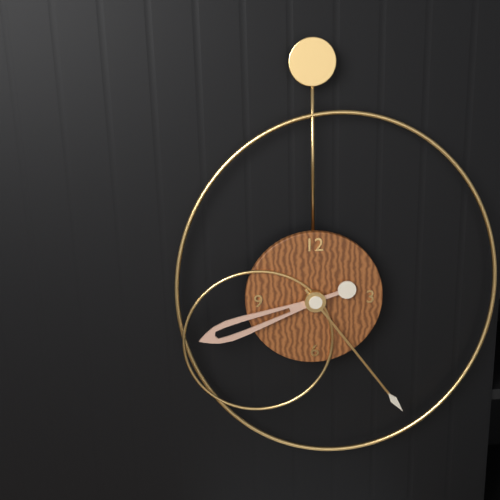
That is 8.24
